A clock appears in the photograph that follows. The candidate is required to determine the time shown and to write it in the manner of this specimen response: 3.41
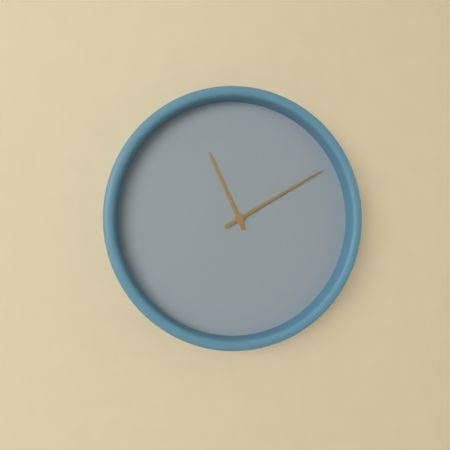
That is 11.10
